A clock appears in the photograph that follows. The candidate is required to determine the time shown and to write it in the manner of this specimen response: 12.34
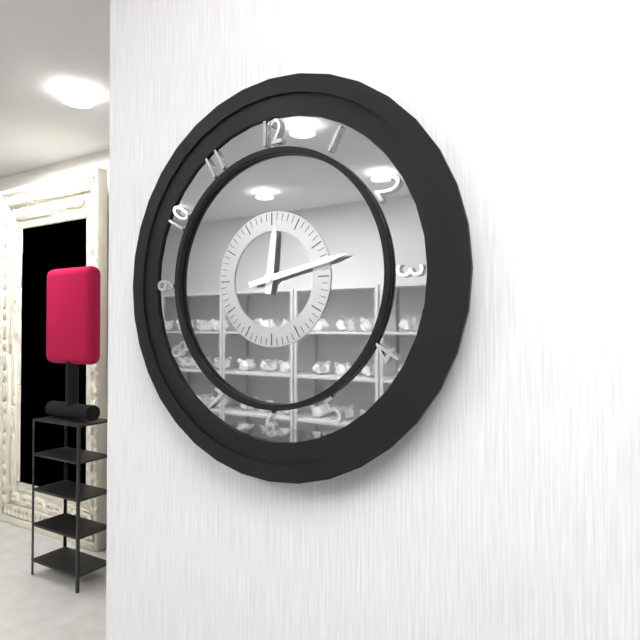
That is 12.13
